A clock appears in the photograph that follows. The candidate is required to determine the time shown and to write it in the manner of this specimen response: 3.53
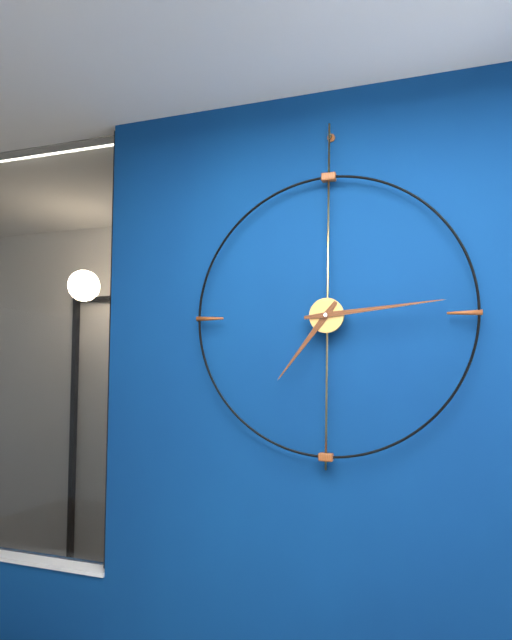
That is 7.14
